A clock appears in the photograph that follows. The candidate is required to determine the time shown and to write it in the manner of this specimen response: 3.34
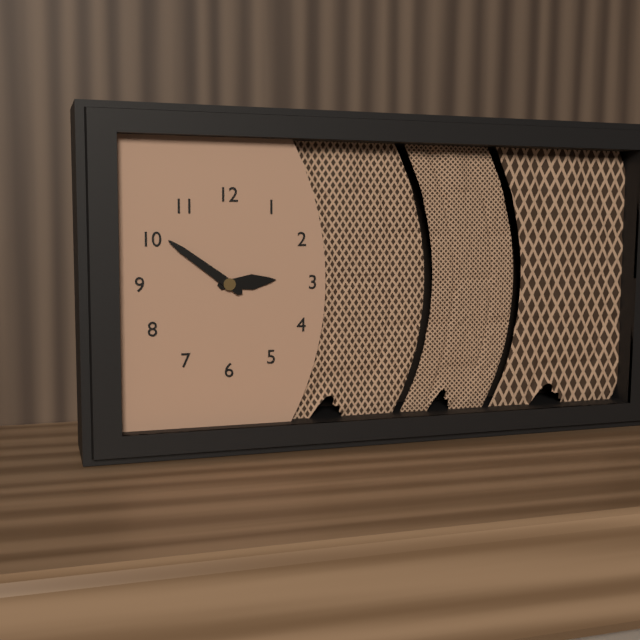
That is 2.51
